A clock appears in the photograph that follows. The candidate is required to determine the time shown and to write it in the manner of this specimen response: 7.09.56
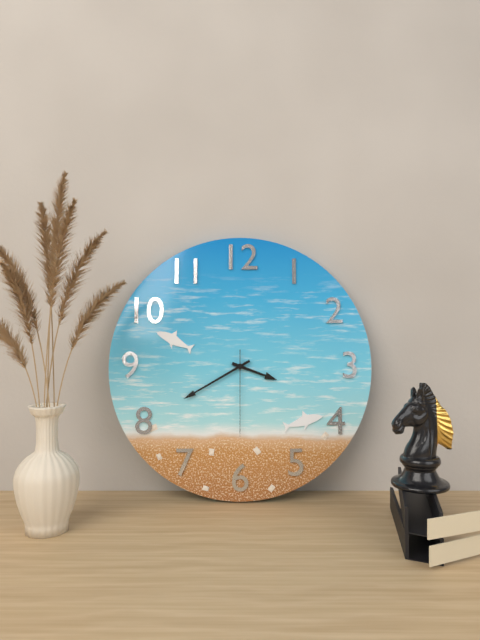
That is 3.40.30
